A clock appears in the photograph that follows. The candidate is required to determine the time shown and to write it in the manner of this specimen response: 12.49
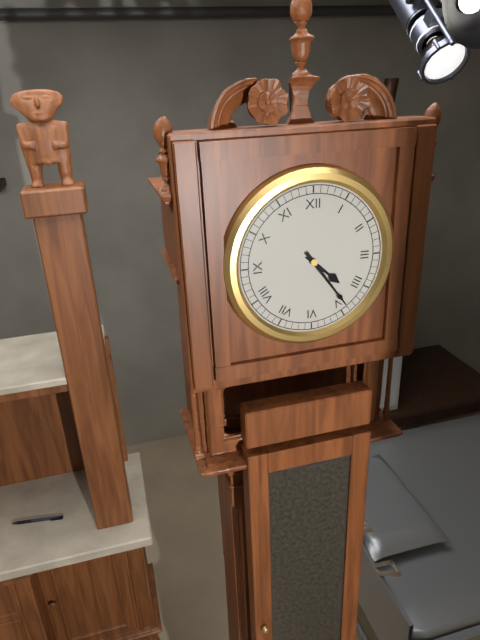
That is 4.24
